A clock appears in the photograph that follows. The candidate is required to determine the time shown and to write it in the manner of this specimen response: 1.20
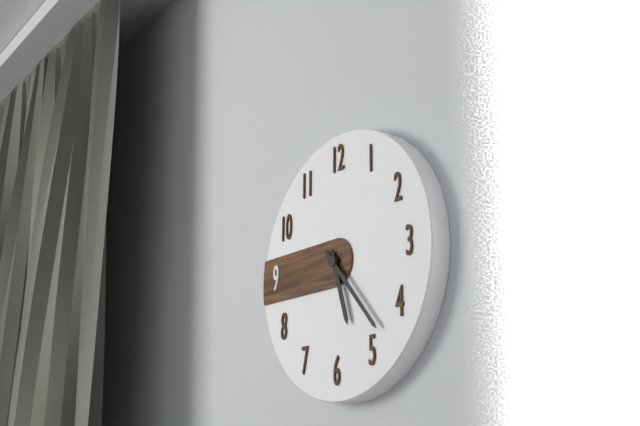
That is 5.23
